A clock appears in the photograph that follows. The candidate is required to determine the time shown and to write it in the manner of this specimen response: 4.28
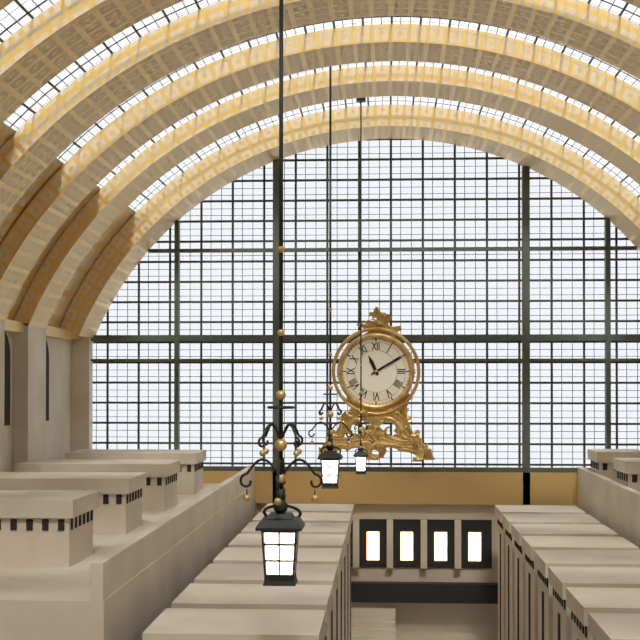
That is 11.10
